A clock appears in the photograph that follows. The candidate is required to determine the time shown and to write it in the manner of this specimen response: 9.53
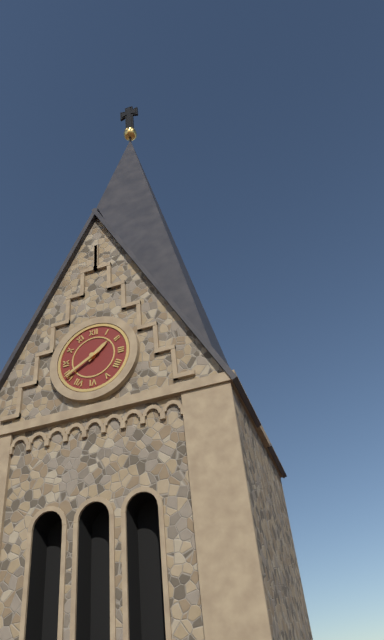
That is 1.40
